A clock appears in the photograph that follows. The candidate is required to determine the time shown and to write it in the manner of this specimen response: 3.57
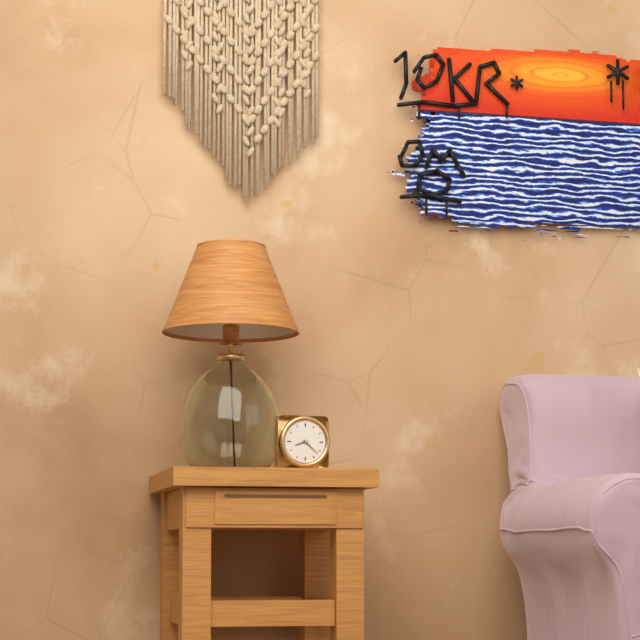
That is 8.22
